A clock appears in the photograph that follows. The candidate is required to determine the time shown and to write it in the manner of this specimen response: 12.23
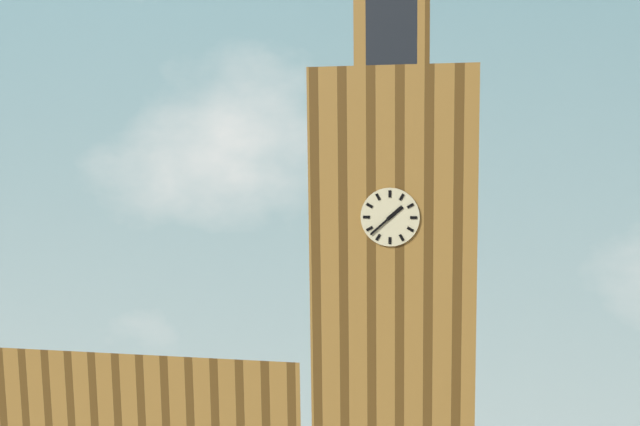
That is 1.38
